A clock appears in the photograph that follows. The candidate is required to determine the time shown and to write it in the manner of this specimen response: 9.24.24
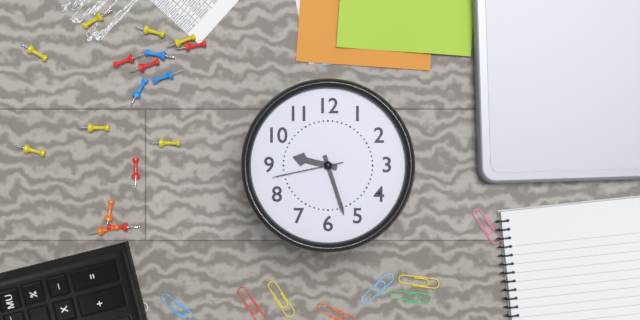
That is 9.27.43
